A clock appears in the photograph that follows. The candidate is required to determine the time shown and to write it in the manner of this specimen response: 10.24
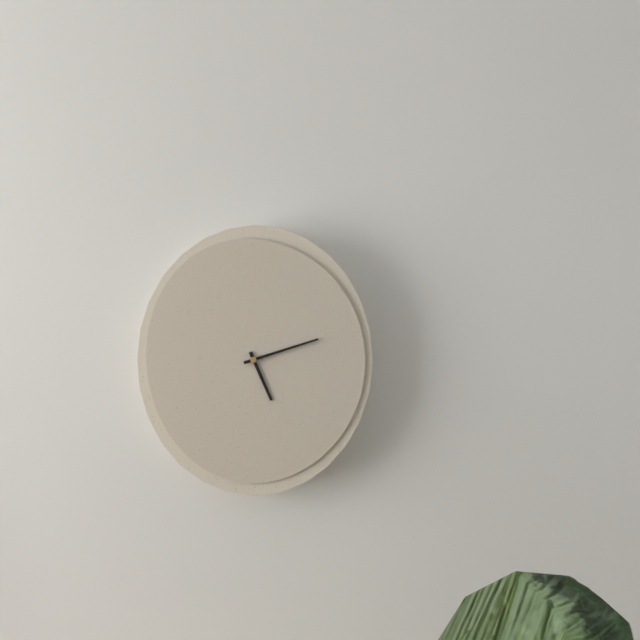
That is 5.12
